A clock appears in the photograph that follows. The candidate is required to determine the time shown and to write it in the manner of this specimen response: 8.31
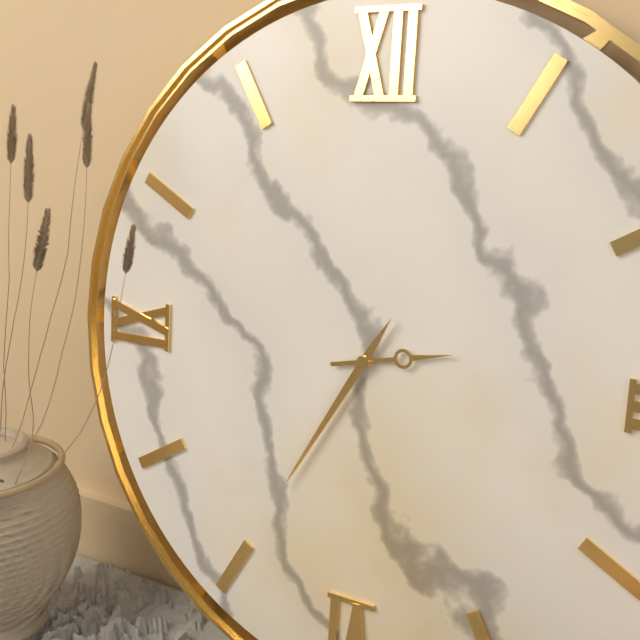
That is 2.35
